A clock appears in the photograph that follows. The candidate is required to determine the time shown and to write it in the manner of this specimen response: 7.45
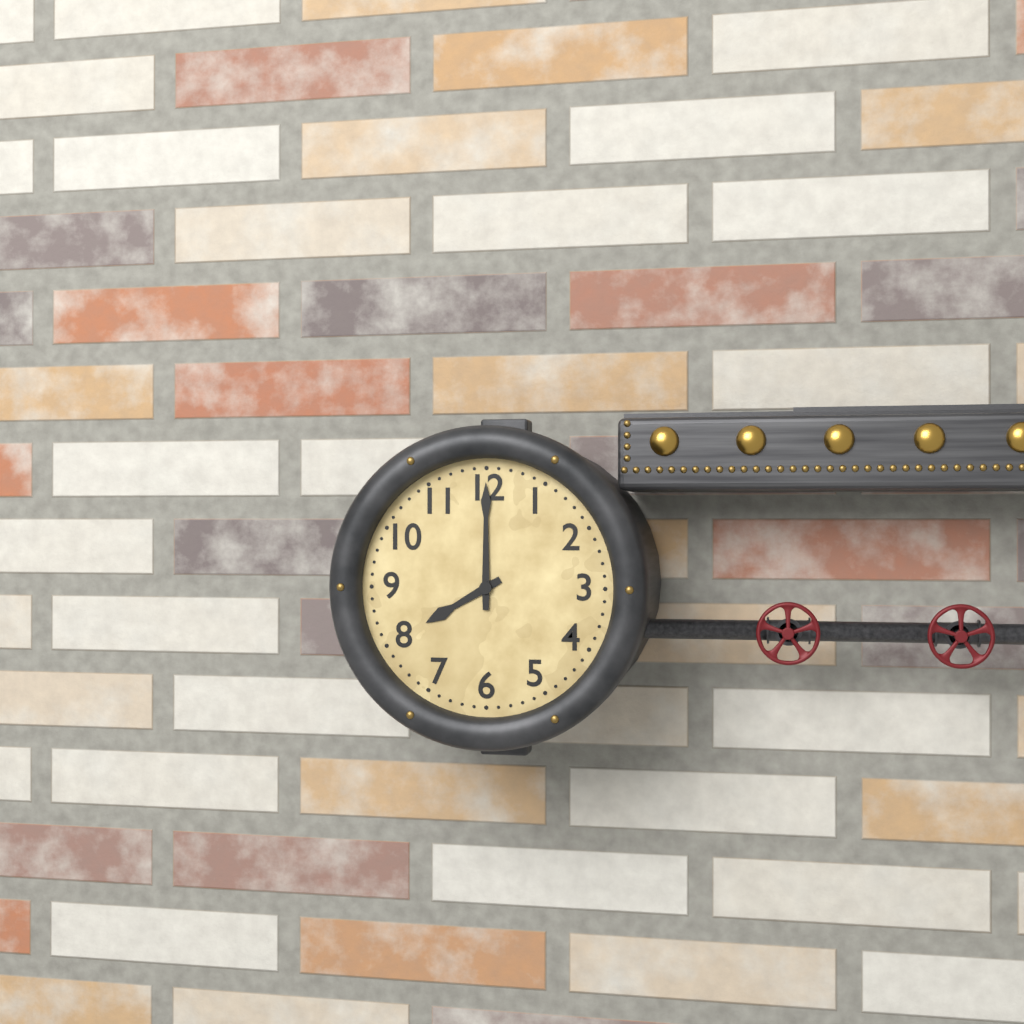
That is 8.00
